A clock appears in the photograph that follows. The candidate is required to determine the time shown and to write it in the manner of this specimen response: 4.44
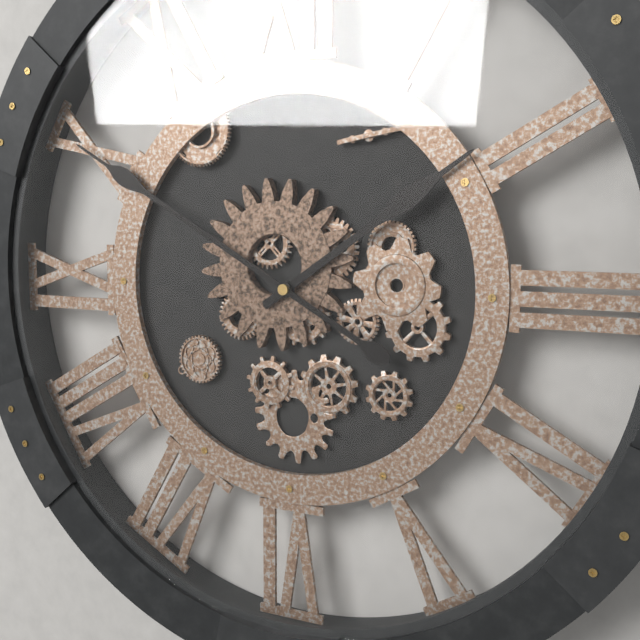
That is 1.50
